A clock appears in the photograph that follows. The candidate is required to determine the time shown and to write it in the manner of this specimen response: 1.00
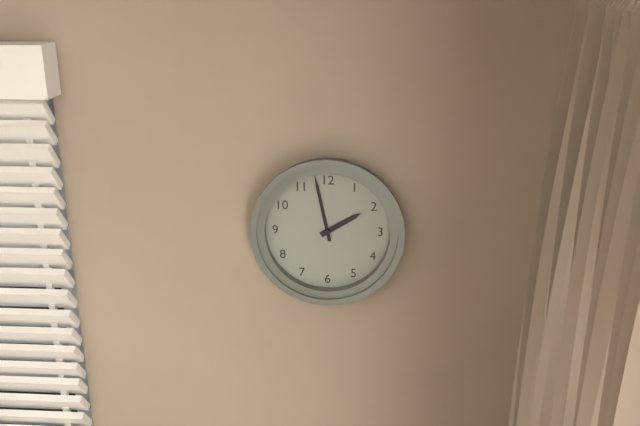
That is 1.58
